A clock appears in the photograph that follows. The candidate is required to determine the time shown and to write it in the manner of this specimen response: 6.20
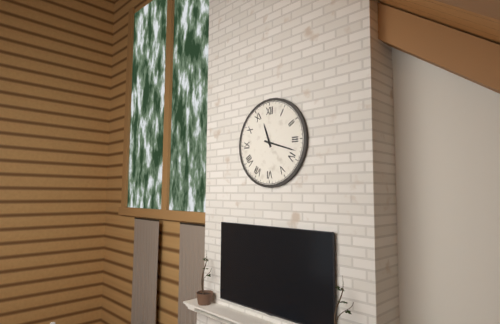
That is 11.18
